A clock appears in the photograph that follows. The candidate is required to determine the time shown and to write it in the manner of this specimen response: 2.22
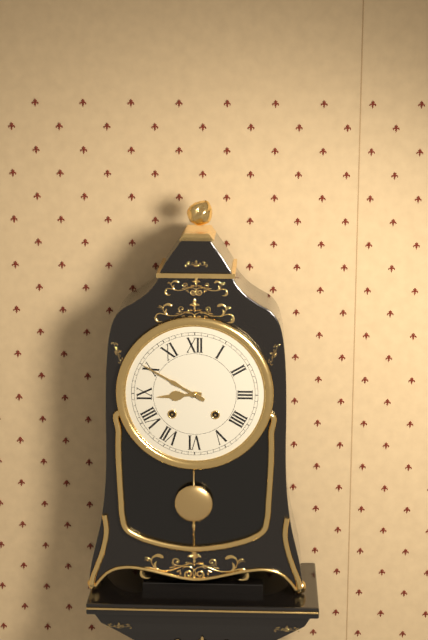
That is 8.50
